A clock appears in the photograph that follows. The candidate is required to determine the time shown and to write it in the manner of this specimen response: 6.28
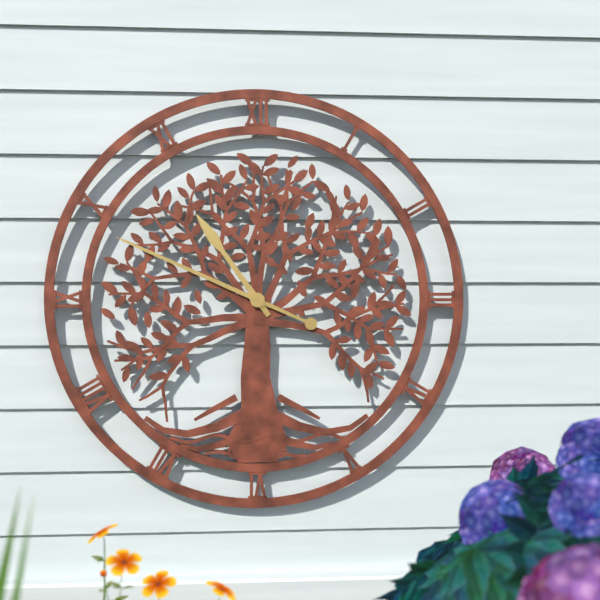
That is 10.49
